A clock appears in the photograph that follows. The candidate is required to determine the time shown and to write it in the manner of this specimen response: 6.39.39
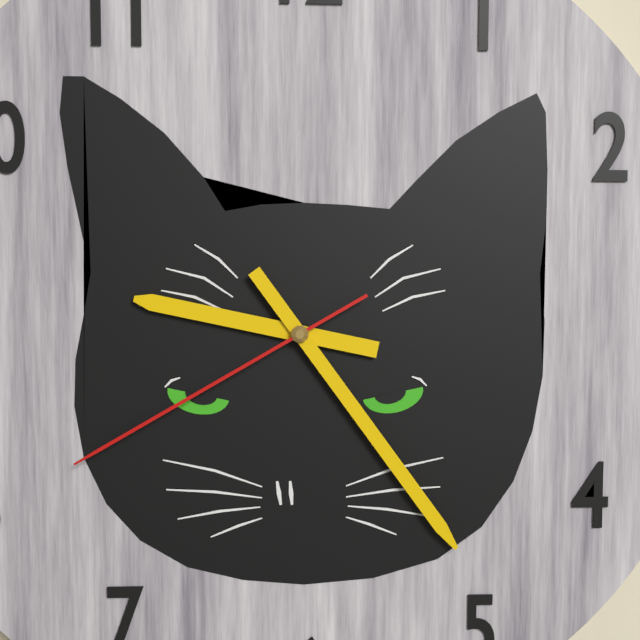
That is 9.24.40
